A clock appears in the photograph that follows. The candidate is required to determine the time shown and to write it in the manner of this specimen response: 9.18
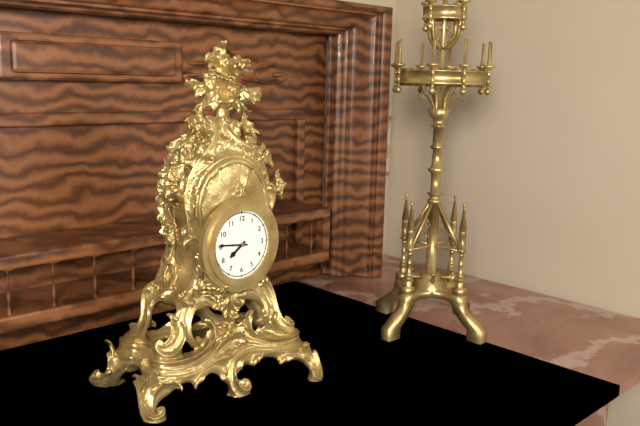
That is 7.46
